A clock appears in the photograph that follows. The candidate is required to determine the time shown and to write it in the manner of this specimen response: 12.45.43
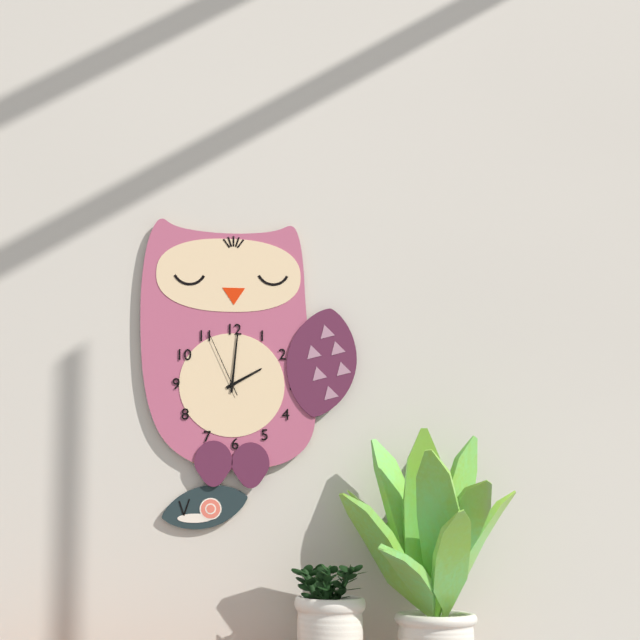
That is 2.01.56
